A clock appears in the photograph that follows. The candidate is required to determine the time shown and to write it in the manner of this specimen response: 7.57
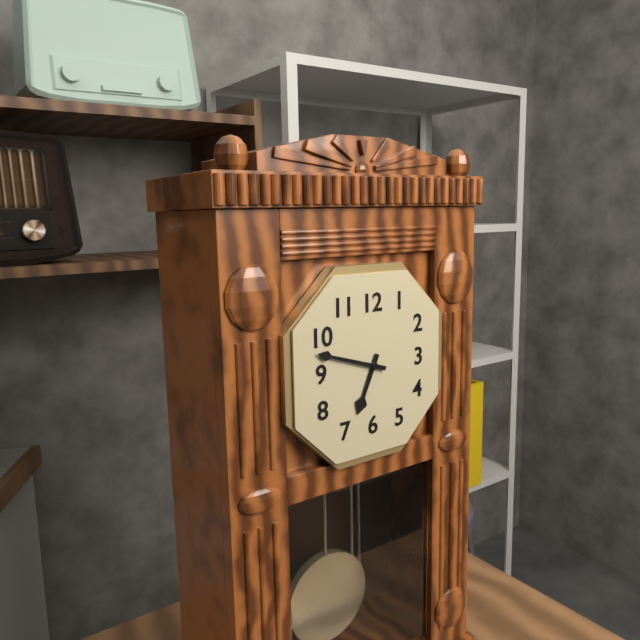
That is 6.48
